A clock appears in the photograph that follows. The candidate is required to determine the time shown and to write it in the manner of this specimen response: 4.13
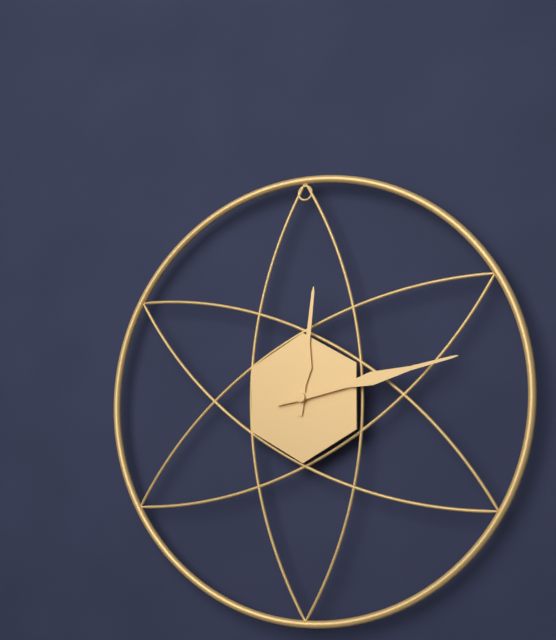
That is 12.13
